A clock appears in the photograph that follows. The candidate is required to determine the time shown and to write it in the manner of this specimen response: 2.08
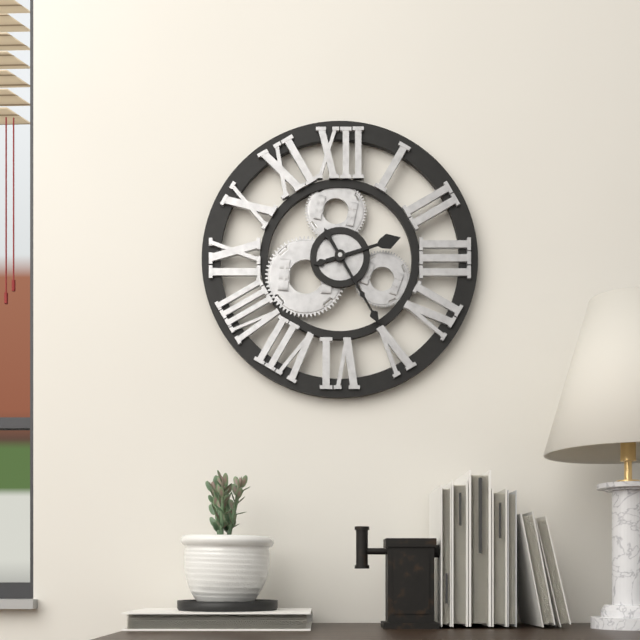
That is 2.25
